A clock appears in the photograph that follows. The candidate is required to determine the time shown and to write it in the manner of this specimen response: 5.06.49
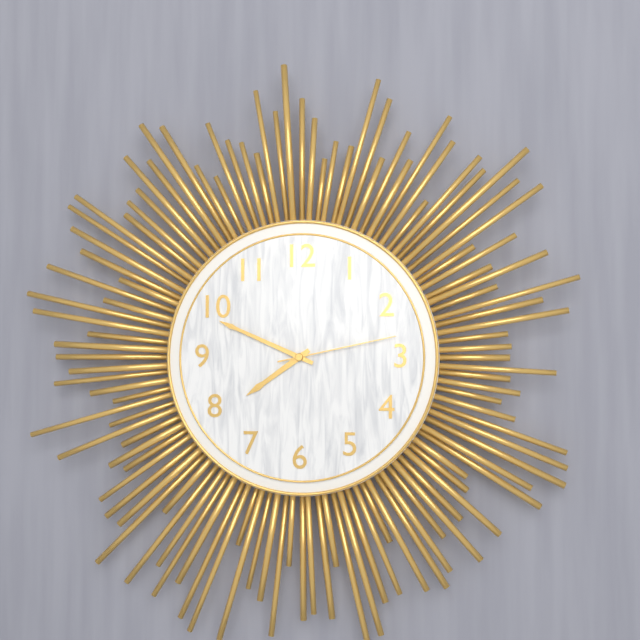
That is 7.49.13
